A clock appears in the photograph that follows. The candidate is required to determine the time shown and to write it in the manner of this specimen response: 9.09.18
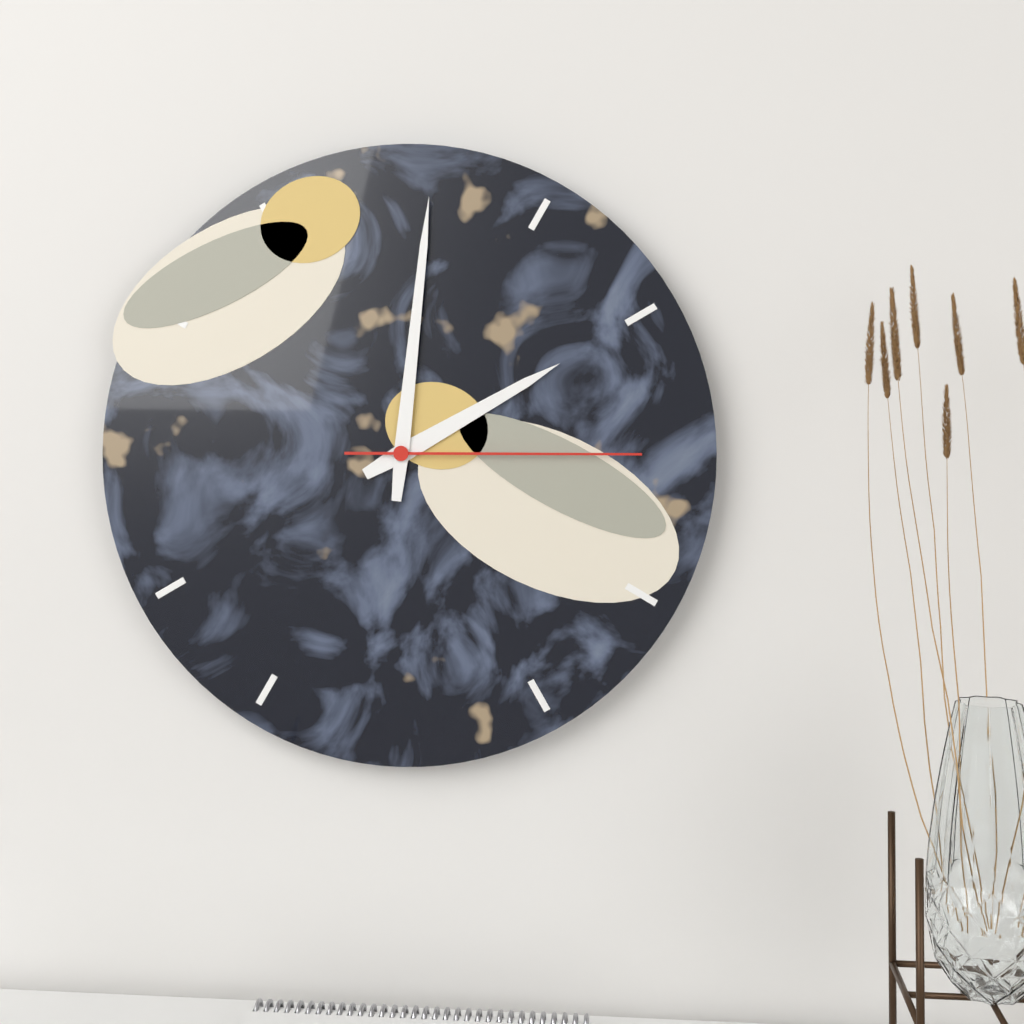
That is 2.01.15
